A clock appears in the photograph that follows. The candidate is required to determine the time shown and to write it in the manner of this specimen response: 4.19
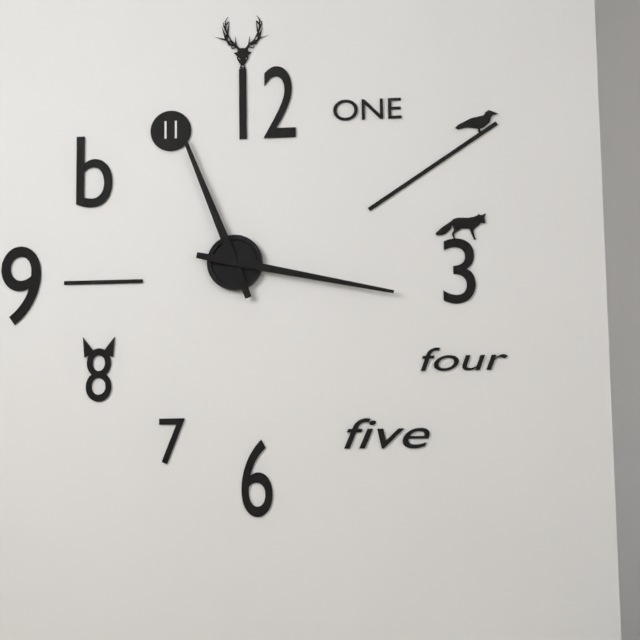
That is 11.17
